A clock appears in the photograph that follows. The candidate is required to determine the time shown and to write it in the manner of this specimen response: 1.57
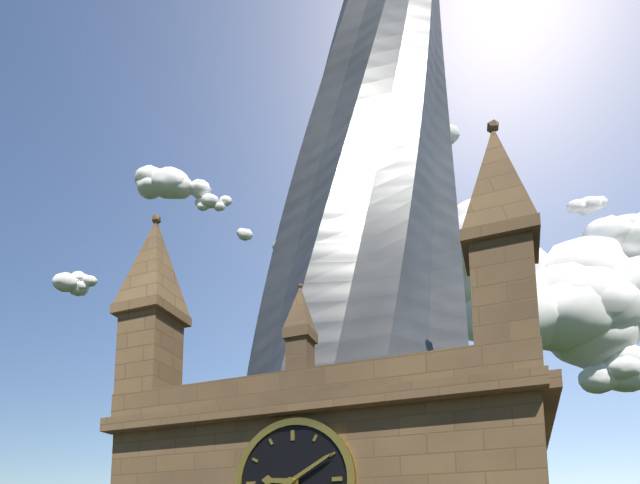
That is 9.10
